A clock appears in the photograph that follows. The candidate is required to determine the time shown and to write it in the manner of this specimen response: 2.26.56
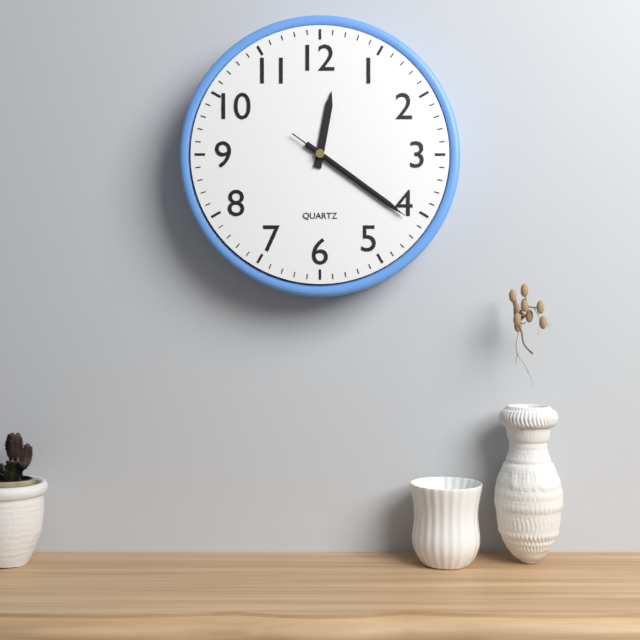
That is 12.21.21
